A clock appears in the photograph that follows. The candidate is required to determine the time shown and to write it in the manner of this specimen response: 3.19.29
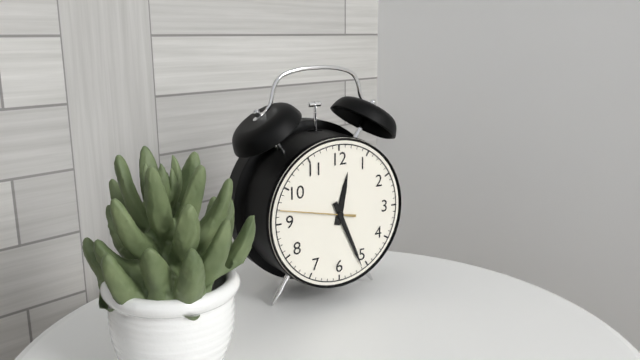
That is 12.26.47
